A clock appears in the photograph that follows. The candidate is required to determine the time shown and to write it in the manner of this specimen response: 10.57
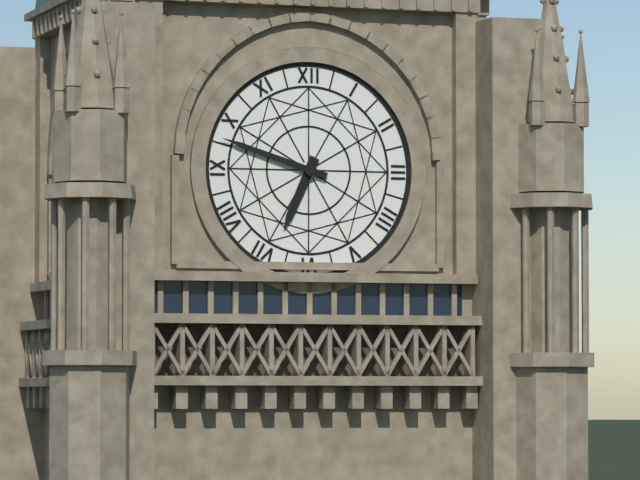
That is 6.48
